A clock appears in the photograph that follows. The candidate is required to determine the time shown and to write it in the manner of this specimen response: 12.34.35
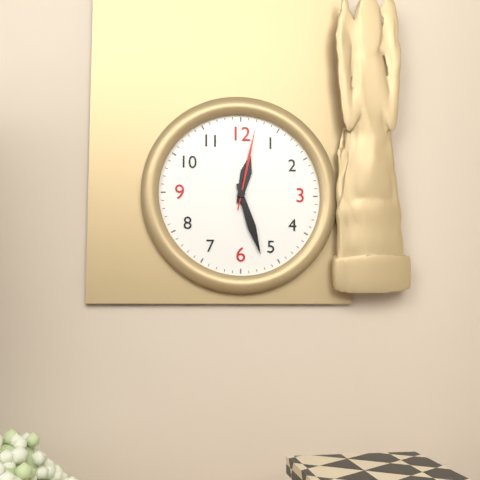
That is 12.27.02
